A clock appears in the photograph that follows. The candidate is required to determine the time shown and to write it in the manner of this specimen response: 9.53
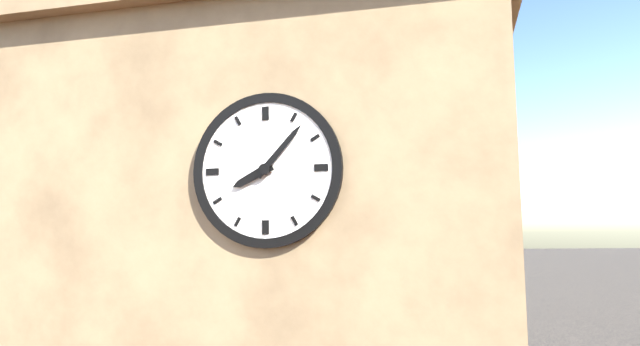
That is 8.07
